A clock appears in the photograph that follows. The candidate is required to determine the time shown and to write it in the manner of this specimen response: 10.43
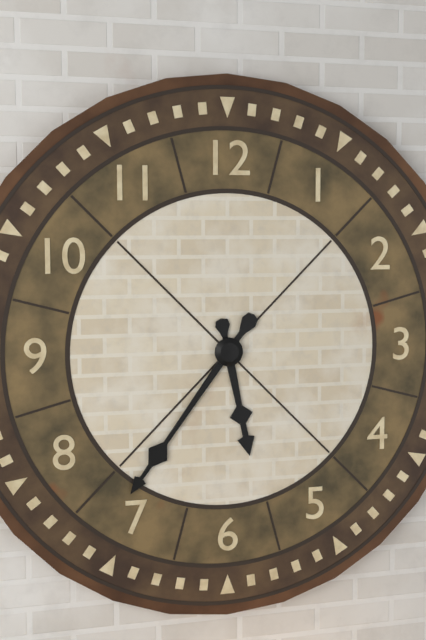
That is 5.36
